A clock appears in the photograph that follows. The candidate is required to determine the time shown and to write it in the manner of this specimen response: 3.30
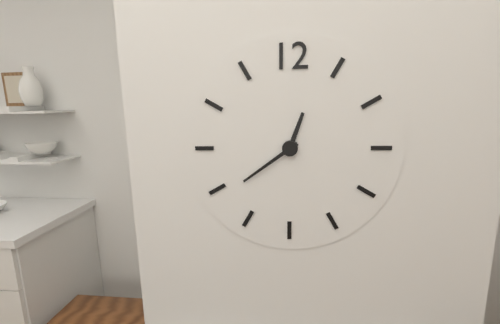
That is 12.39
